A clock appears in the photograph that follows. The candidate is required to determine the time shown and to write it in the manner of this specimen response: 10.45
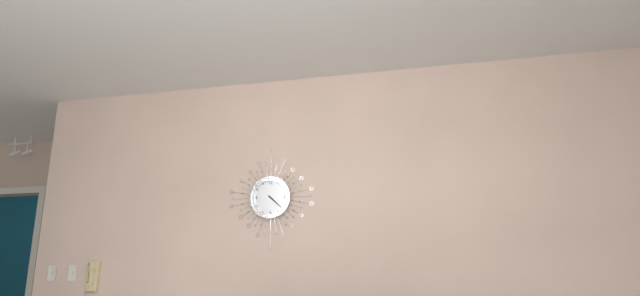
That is 4.22
